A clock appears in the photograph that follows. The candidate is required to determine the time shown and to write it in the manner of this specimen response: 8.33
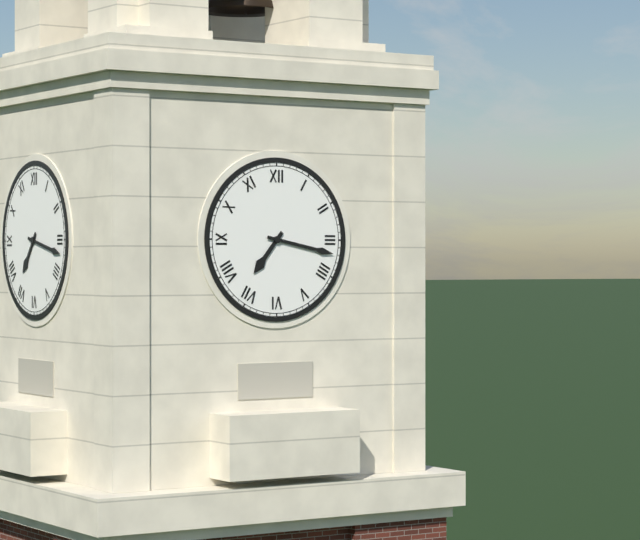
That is 7.17
